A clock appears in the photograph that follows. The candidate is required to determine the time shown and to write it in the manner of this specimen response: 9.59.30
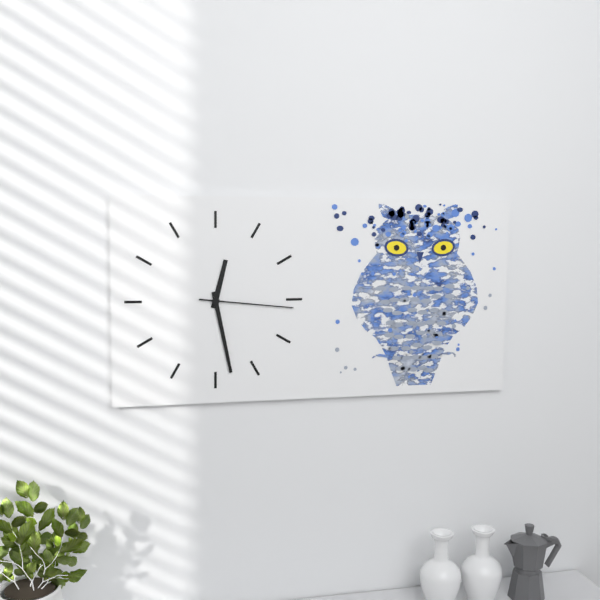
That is 12.28.16
